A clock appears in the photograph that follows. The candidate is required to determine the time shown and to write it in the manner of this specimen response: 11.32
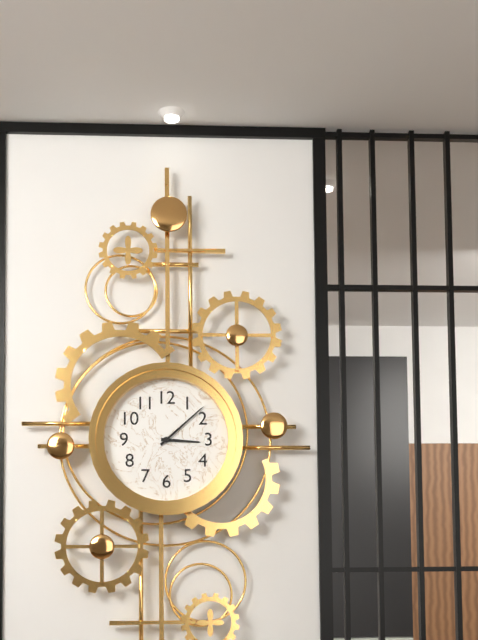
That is 3.08
